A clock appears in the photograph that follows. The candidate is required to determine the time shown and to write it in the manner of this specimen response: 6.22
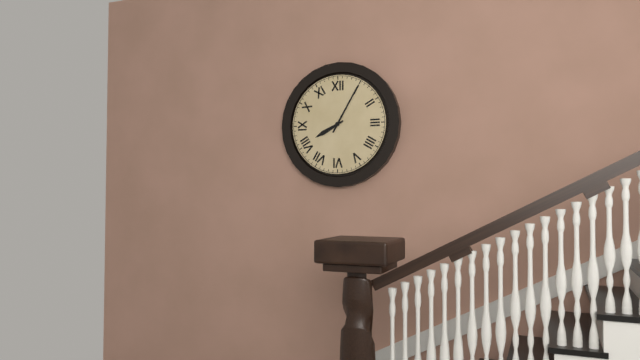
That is 8.05
